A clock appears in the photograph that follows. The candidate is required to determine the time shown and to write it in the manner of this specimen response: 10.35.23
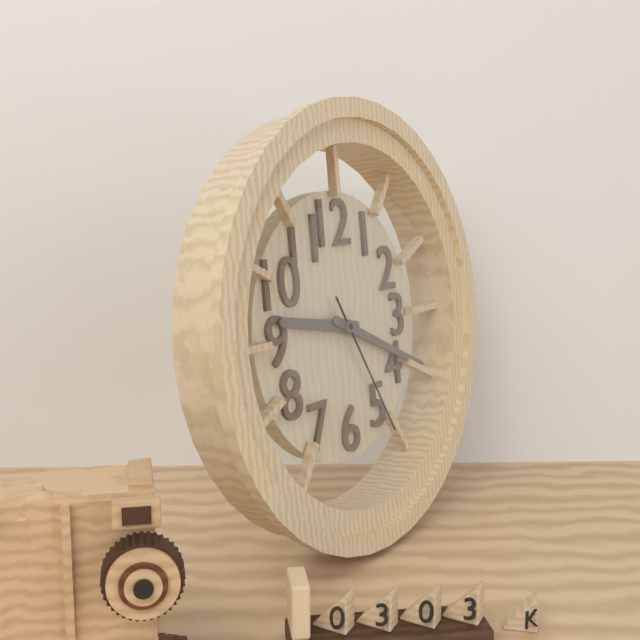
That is 9.19.25
